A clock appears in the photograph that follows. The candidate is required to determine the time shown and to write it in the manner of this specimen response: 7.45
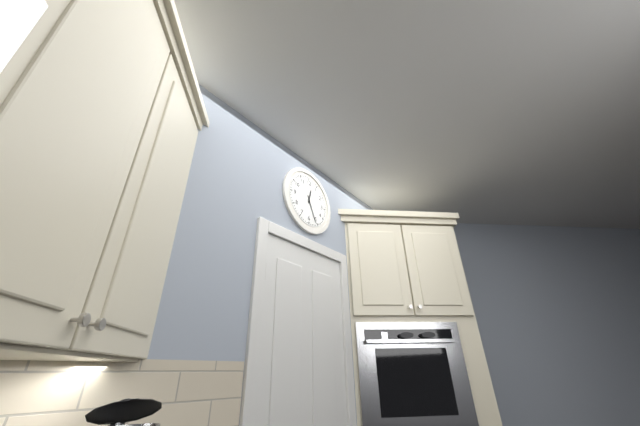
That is 12.26
